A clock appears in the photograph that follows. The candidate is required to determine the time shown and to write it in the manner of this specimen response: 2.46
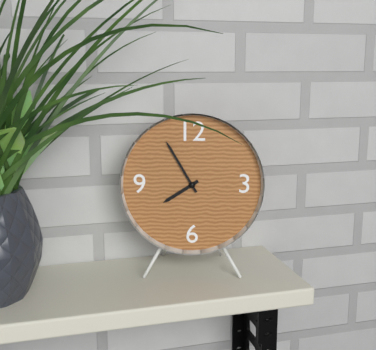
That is 7.55
